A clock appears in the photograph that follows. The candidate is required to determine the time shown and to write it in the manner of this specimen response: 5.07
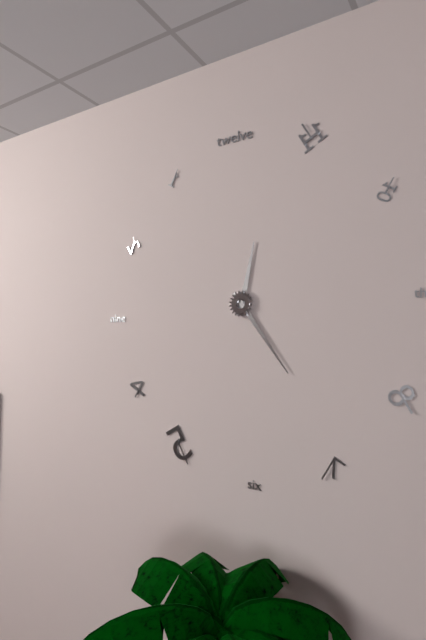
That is 12.24
